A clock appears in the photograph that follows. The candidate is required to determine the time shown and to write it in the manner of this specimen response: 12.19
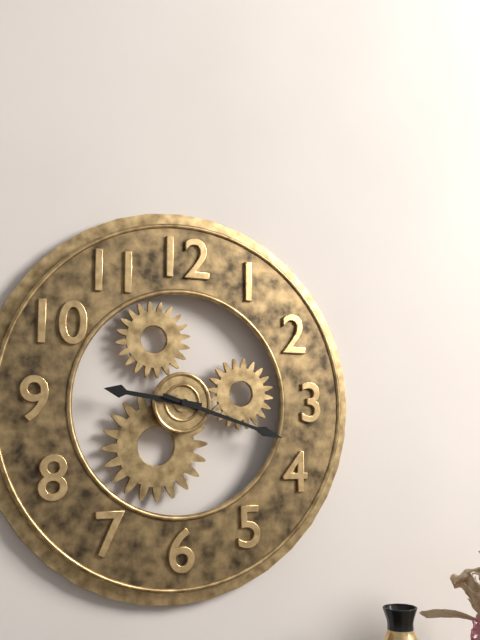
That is 9.18
